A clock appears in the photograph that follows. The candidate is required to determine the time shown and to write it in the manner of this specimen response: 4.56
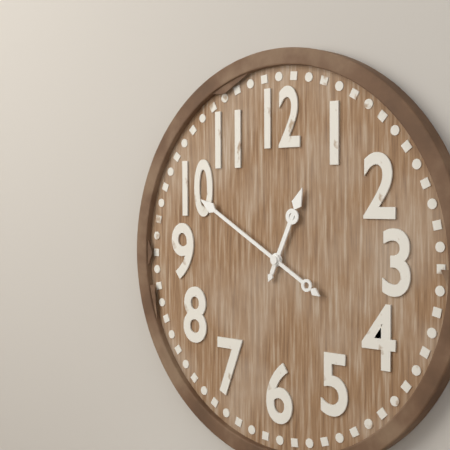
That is 12.50
